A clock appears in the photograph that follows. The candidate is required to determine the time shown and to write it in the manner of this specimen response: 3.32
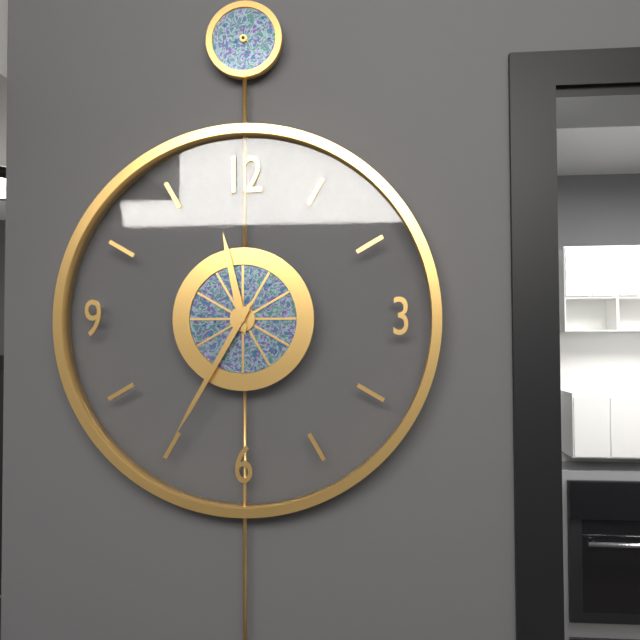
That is 11.35
